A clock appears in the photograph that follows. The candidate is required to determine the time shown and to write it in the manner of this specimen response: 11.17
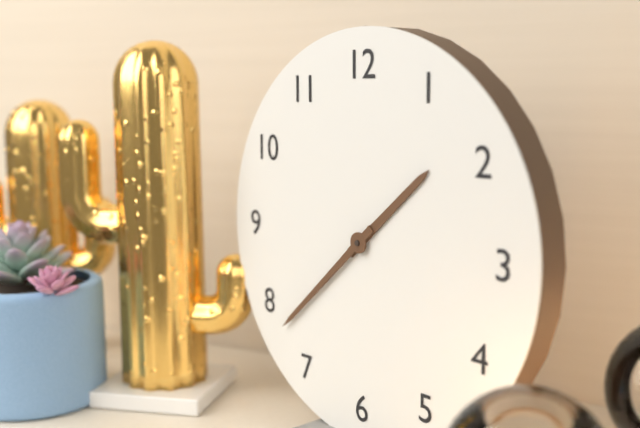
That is 1.38
